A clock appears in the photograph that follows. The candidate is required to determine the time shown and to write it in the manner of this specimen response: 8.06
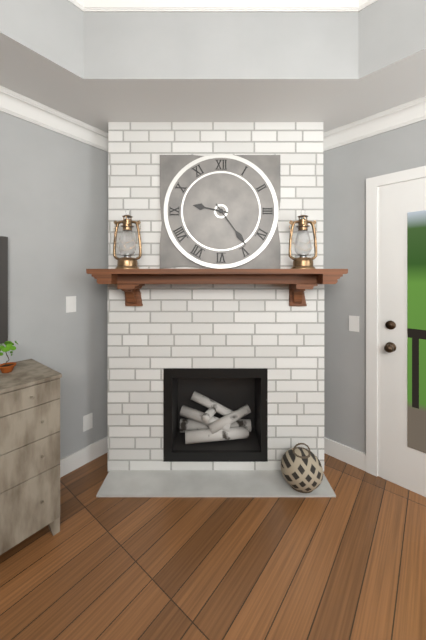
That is 9.24
